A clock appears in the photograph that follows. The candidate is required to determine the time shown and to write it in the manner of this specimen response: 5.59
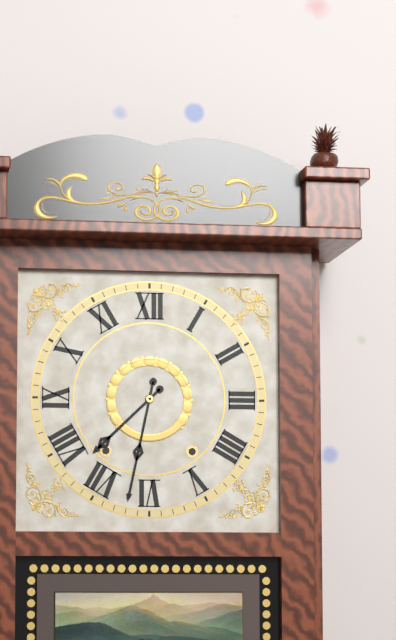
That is 7.32
